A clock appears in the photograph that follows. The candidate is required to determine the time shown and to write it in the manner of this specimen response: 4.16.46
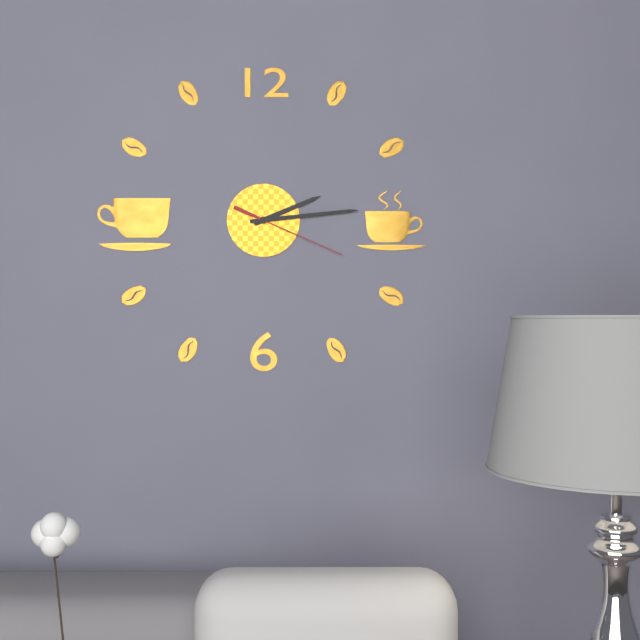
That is 2.14.19
